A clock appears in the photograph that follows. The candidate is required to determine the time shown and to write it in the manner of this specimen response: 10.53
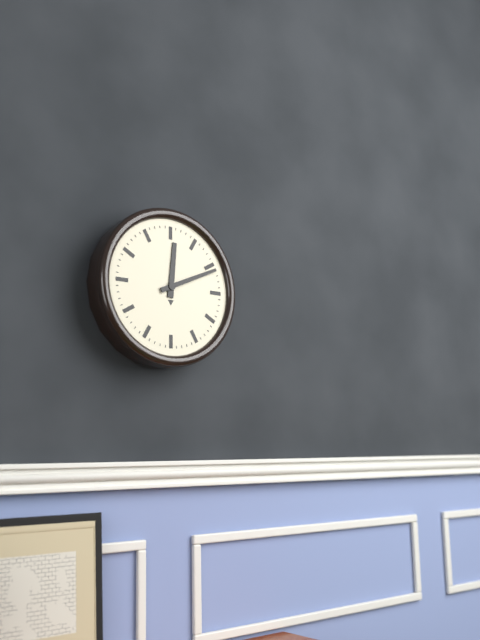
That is 12.11
